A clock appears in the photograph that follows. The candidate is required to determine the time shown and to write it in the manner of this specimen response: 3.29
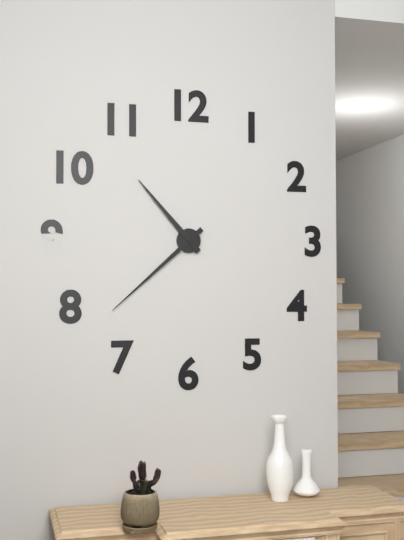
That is 10.38
